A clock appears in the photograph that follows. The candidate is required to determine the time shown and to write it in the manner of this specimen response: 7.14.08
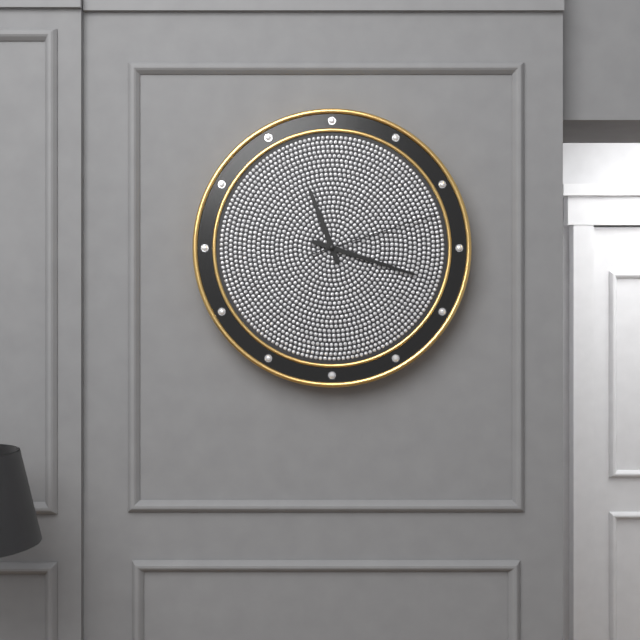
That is 11.18.12
